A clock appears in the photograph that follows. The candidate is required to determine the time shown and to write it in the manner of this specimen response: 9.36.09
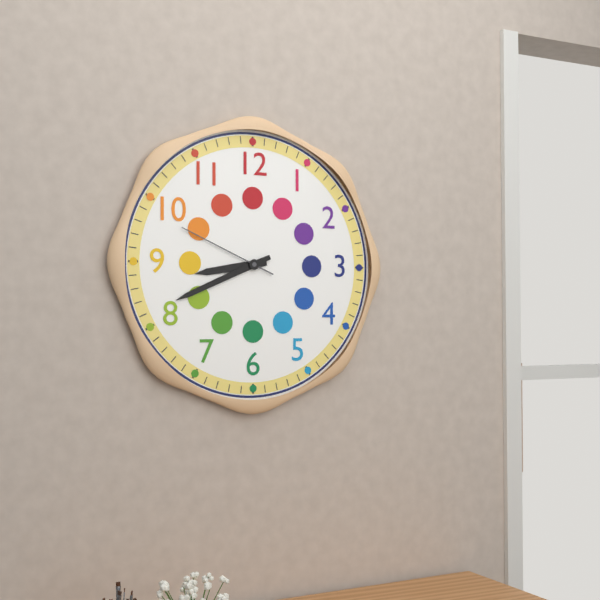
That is 8.41.49
